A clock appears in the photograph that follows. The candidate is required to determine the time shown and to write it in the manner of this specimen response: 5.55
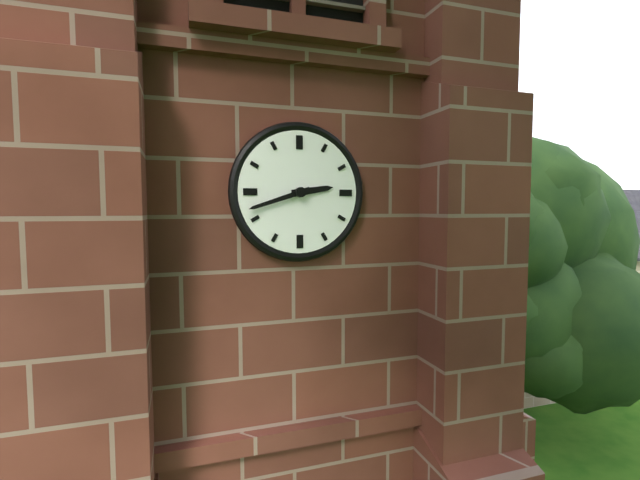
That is 2.42
